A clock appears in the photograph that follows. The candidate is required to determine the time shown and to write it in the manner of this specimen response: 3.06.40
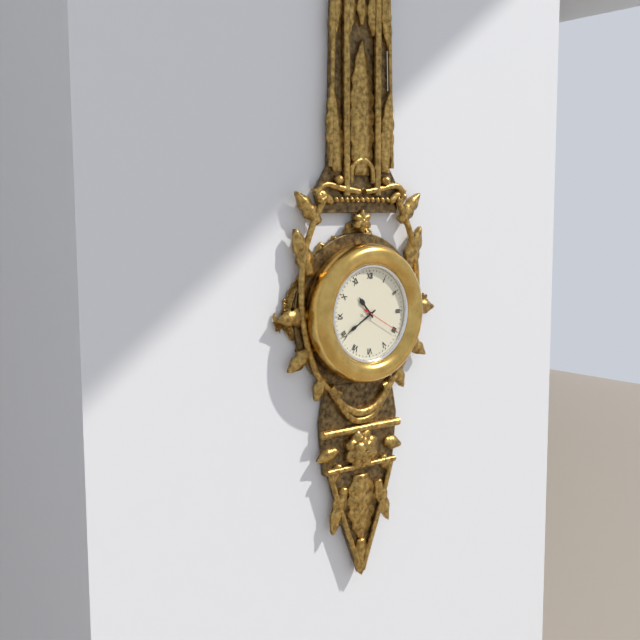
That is 10.40.20
